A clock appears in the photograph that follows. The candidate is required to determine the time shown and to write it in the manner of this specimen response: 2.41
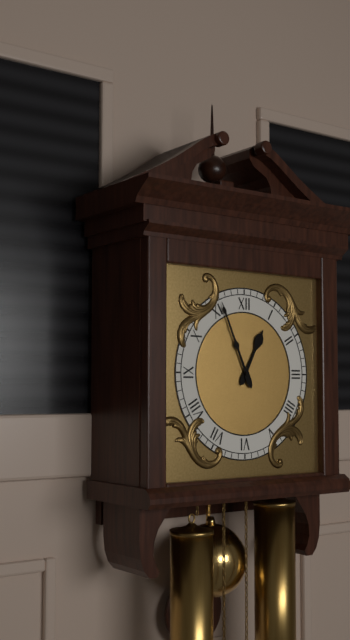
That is 12.56
